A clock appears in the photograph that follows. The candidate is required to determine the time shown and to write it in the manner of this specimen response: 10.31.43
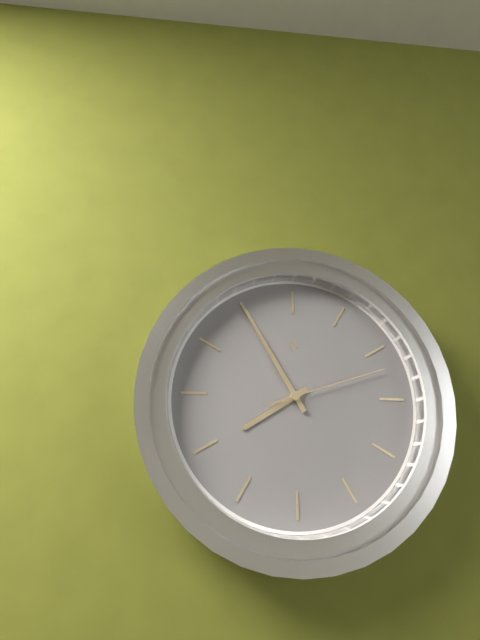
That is 7.55.12
